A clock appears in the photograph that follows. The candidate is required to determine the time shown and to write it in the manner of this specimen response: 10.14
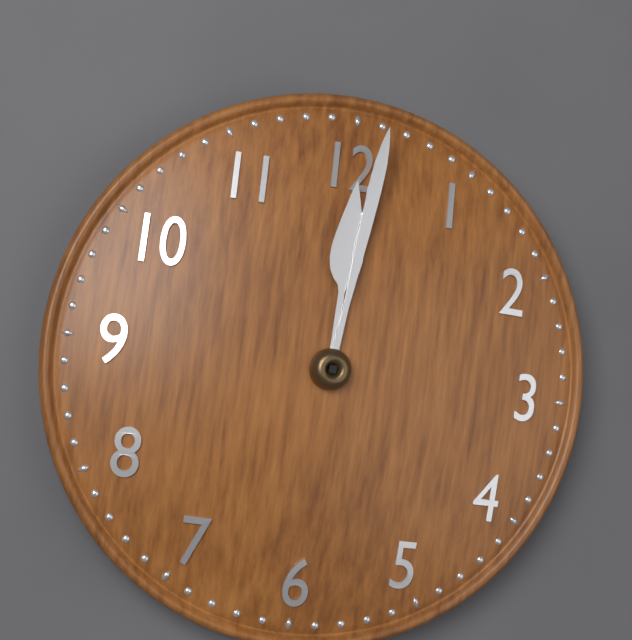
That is 12.01
